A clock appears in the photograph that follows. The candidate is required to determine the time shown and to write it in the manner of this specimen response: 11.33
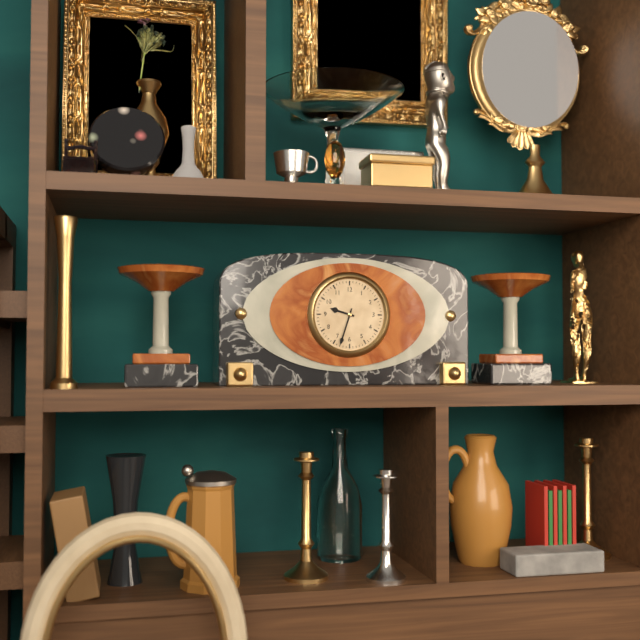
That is 9.33
